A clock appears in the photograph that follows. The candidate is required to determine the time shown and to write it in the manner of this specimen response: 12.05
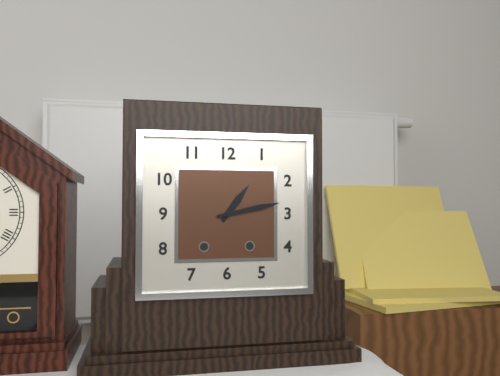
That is 1.13
